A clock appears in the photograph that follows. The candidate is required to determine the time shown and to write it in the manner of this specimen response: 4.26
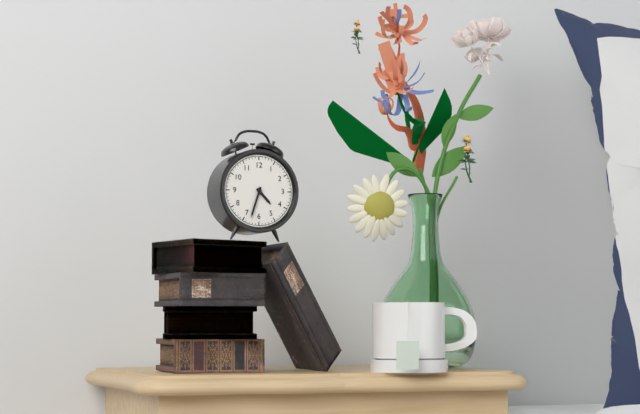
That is 4.33
